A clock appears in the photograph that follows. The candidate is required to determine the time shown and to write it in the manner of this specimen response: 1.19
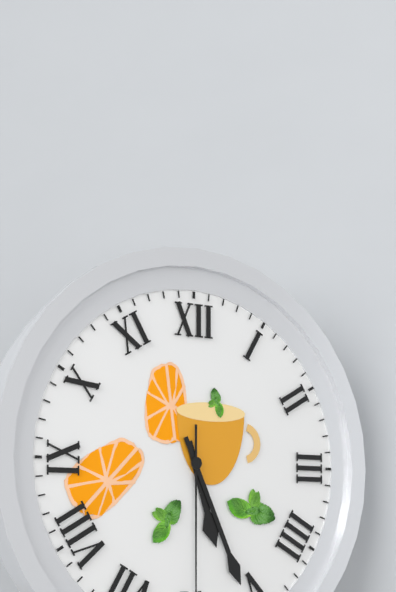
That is 5.26
